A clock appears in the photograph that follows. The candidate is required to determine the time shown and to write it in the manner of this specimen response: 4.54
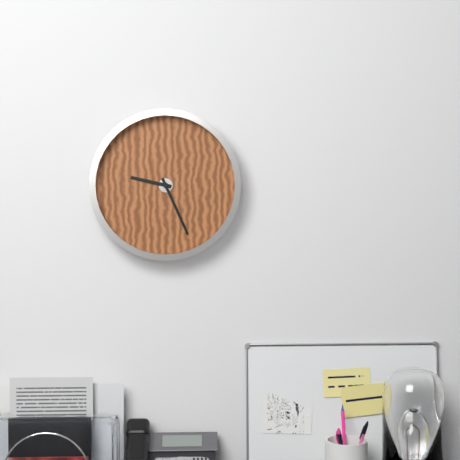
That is 9.26
